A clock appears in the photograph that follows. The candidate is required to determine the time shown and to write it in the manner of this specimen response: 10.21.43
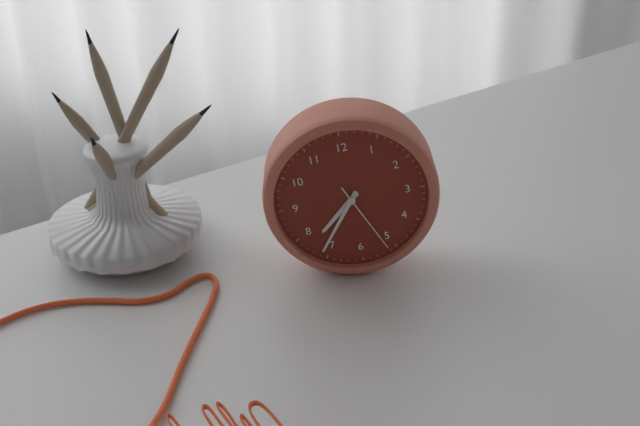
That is 7.36.26
